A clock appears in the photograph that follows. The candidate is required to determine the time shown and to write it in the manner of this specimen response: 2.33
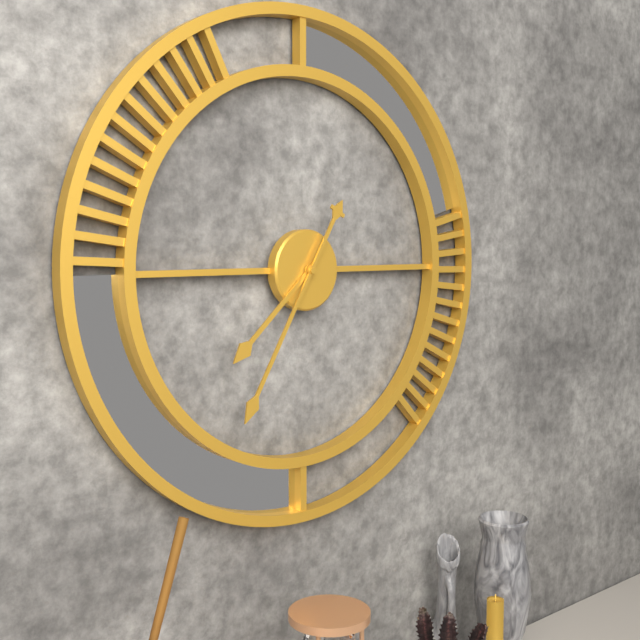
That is 7.35
